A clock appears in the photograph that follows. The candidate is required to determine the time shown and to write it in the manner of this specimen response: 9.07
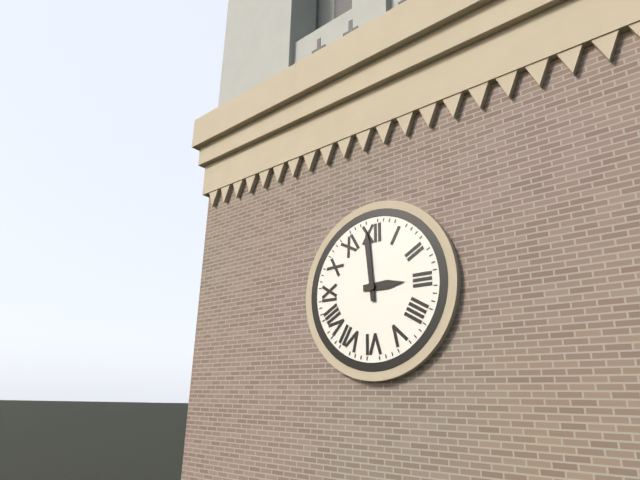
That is 2.59
